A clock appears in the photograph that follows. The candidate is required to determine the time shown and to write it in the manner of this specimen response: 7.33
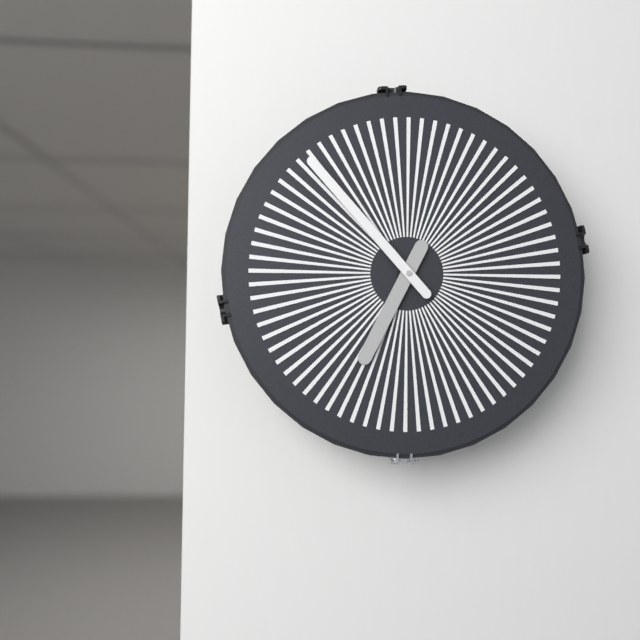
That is 6.53
